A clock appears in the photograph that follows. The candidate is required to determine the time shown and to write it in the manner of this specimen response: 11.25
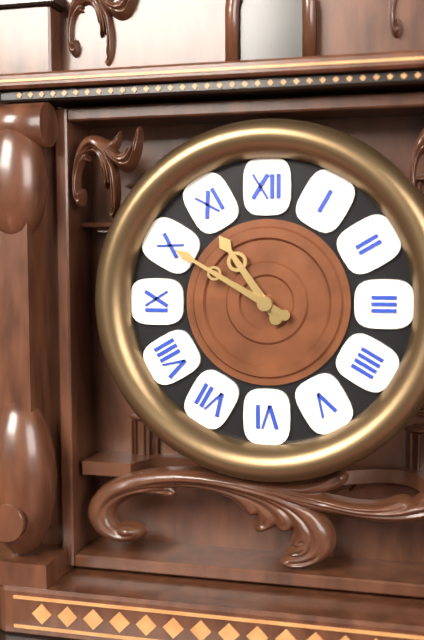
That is 10.50
